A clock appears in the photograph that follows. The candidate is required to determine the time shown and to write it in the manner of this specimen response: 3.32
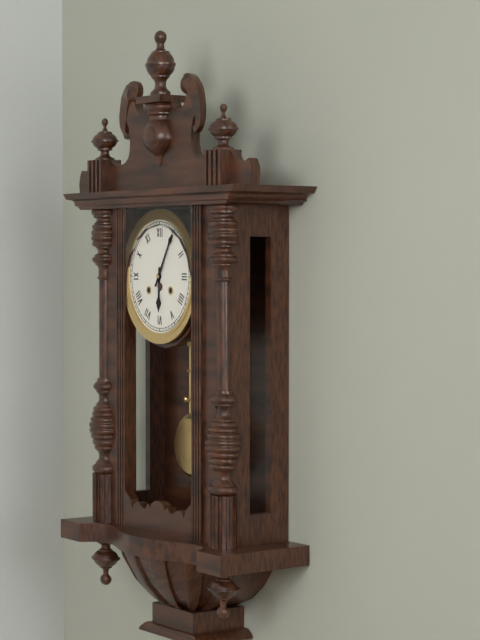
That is 6.05
